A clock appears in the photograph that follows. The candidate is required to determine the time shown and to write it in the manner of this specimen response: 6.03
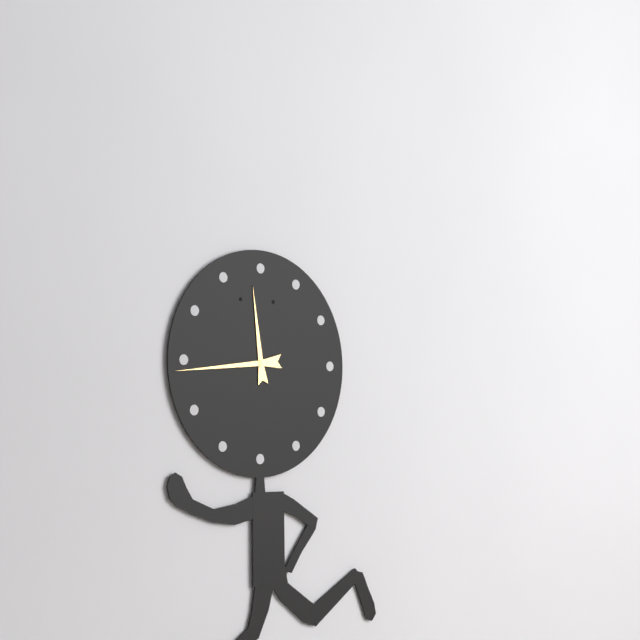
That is 11.44
